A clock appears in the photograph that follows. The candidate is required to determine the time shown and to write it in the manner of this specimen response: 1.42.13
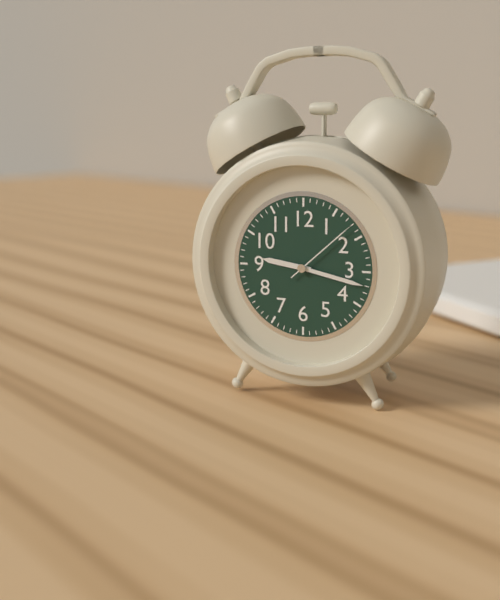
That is 9.17.08
